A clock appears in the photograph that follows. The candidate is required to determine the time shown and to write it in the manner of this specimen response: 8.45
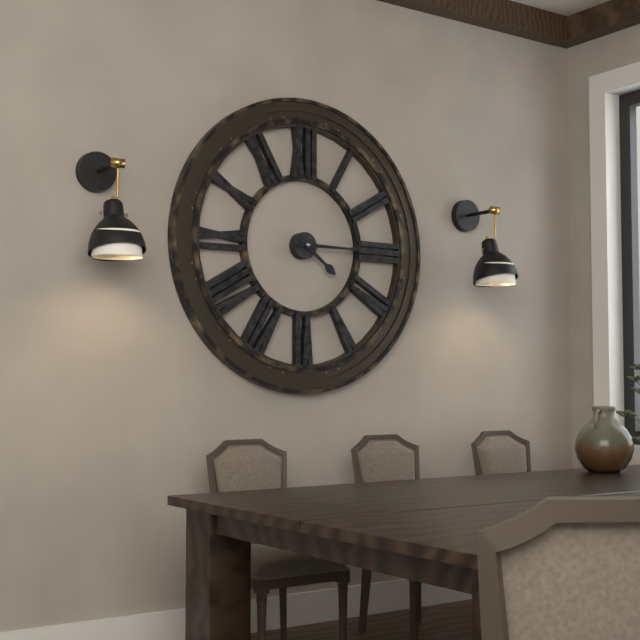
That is 4.15
